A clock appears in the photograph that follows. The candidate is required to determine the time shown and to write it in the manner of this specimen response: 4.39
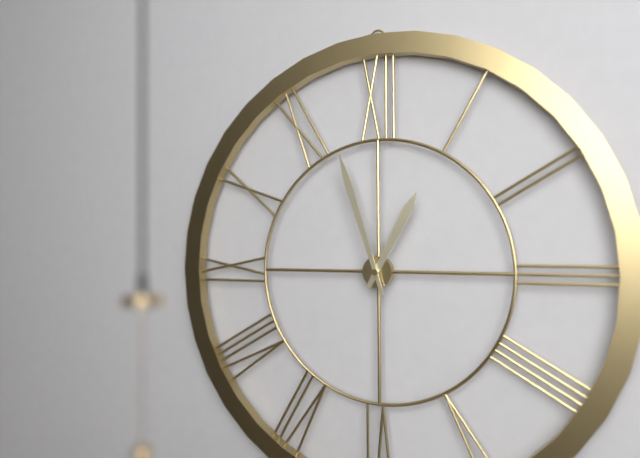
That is 12.57
